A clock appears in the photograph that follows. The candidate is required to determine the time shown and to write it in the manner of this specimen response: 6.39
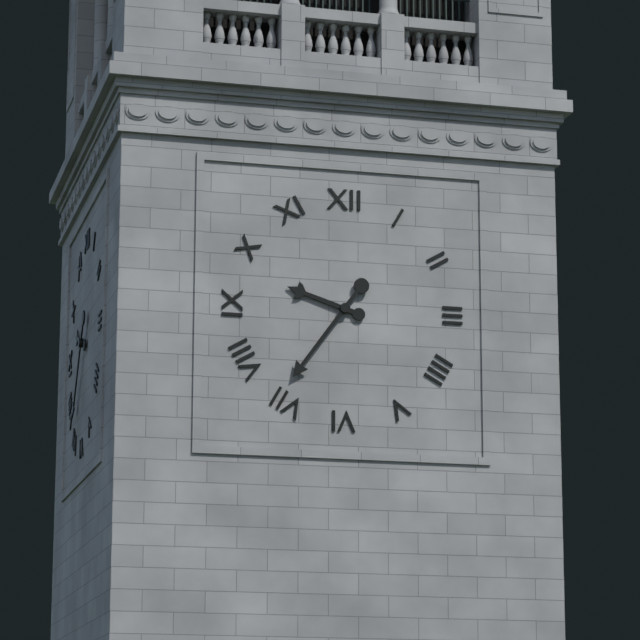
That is 9.36
